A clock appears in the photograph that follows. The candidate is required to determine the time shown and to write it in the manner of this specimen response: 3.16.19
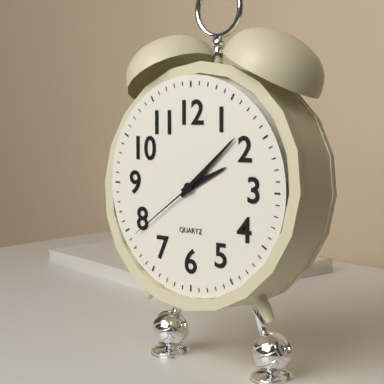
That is 2.08.39
